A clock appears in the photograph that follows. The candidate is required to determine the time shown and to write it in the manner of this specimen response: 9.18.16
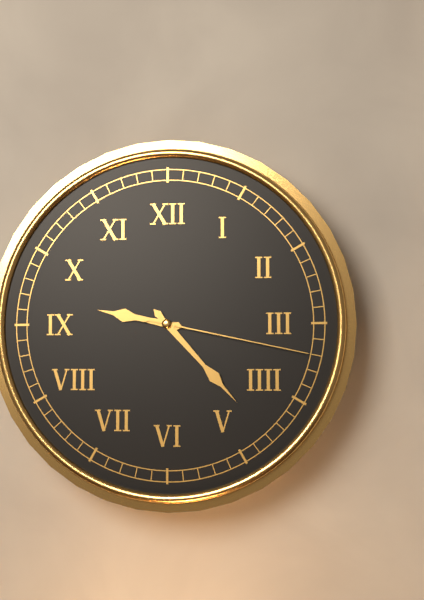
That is 9.23.17
